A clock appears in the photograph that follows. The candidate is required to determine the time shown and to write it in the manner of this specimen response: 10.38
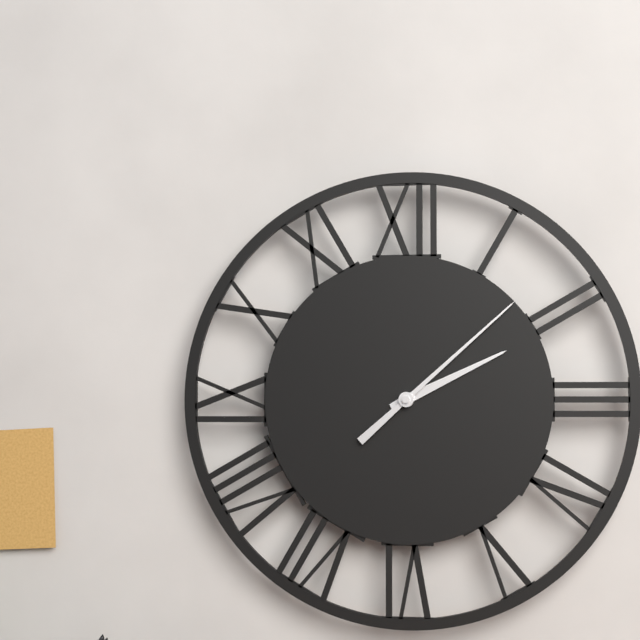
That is 2.08
